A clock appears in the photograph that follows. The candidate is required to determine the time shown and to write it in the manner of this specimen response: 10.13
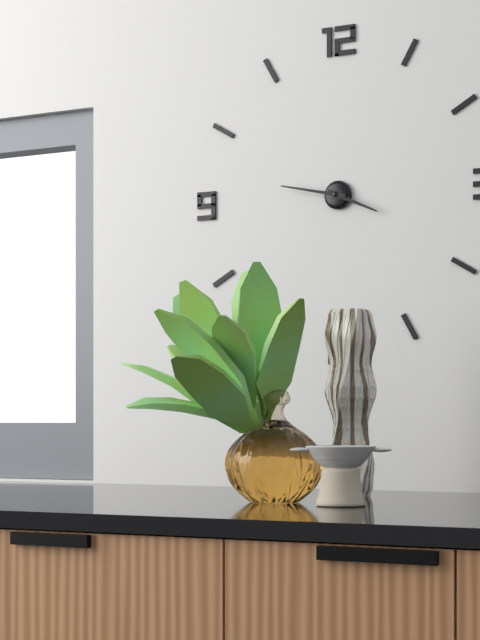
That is 3.47
